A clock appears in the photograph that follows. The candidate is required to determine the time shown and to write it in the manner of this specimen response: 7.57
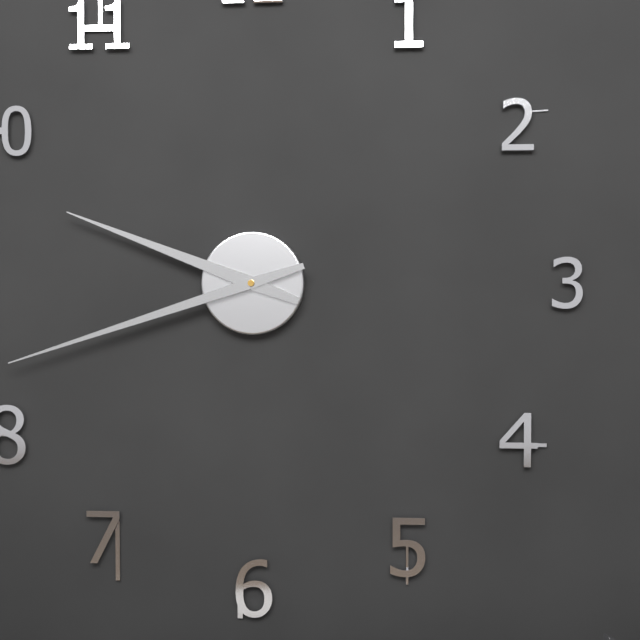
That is 9.42
